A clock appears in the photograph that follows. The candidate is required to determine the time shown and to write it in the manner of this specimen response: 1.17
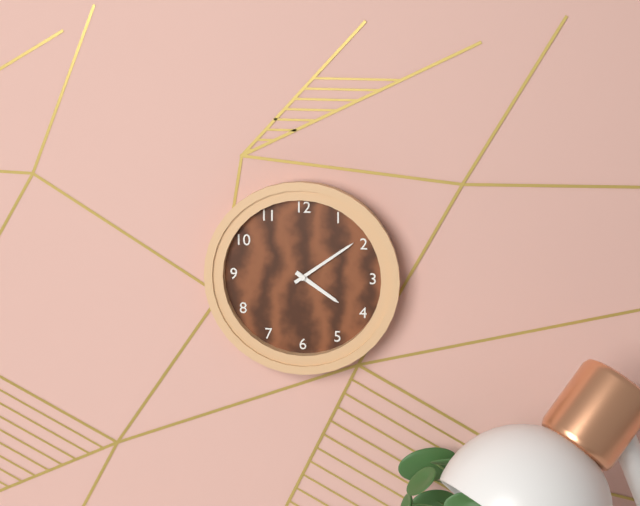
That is 4.09
